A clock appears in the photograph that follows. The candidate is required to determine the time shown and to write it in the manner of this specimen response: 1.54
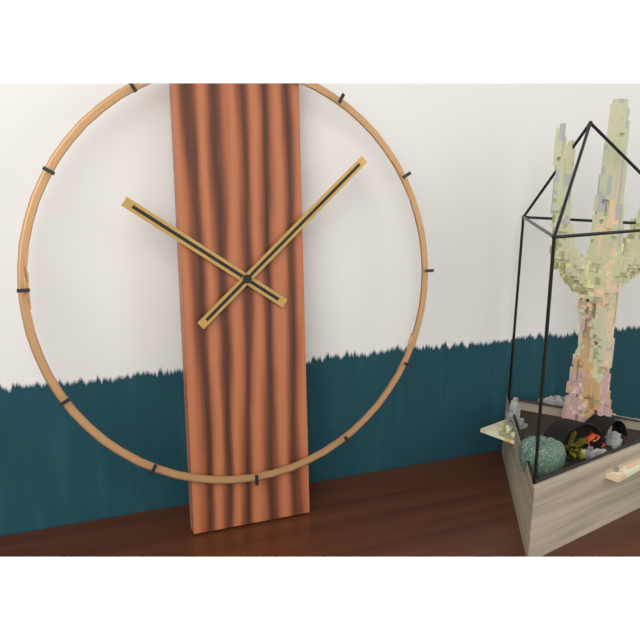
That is 10.08
